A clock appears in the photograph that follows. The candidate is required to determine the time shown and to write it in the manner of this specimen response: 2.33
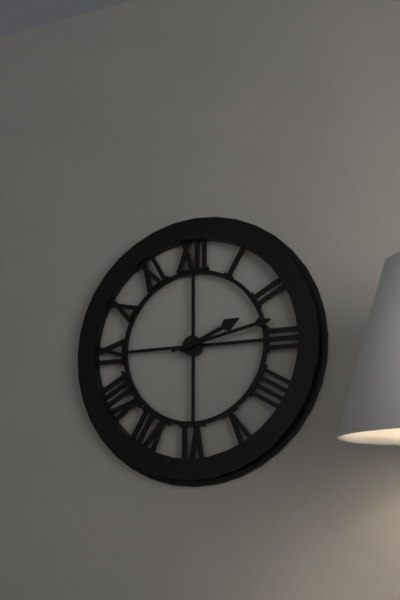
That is 2.13
